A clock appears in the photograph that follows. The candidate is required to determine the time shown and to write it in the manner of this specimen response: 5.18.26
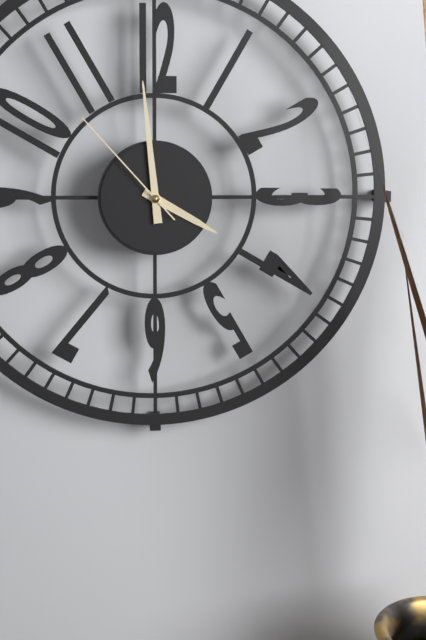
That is 3.59.53
